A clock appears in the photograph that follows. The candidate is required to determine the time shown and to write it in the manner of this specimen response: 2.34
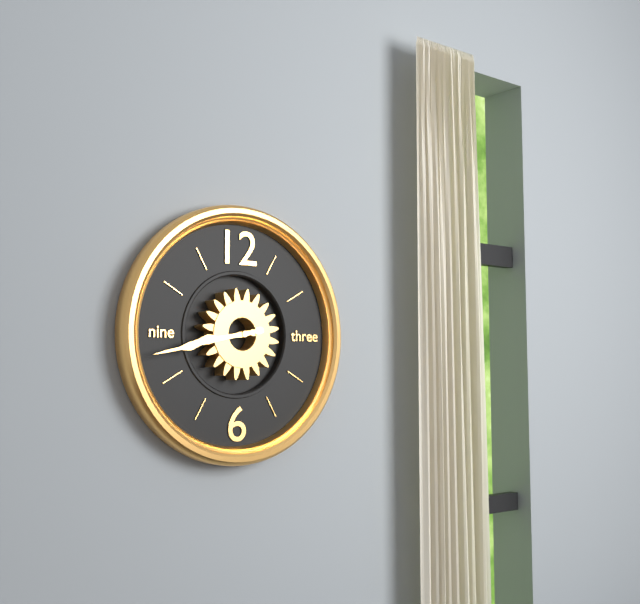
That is 8.43
